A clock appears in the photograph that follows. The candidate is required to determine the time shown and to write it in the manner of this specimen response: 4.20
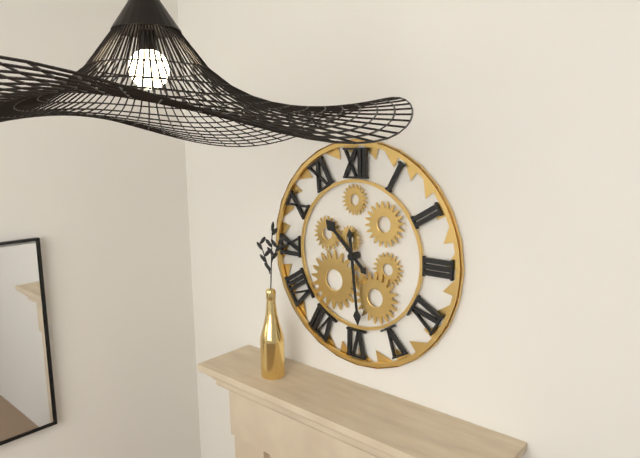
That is 10.29
